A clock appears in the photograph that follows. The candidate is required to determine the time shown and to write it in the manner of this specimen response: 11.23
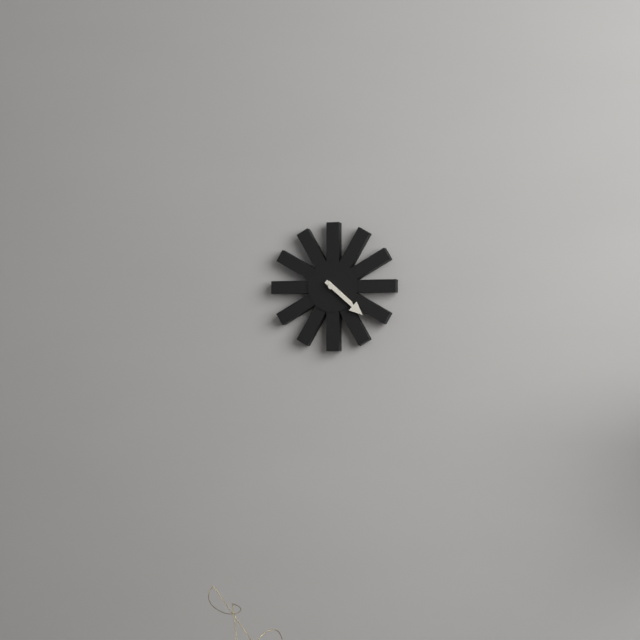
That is 4.22
